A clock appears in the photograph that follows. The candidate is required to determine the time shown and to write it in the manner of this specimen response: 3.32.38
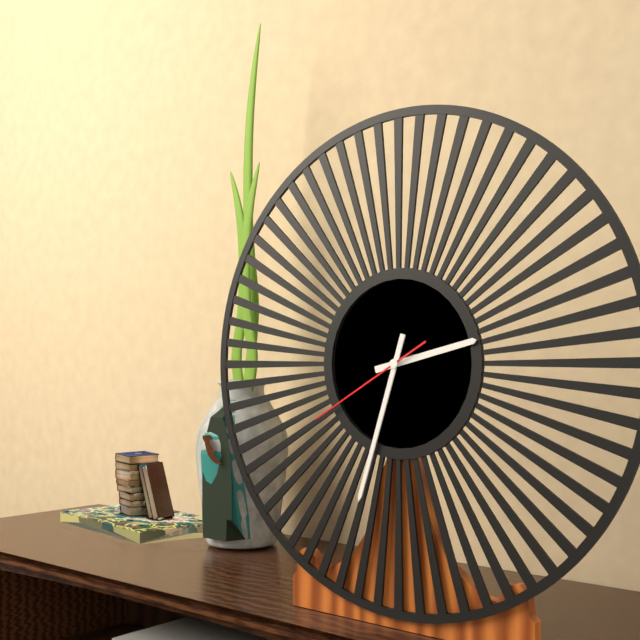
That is 2.33.40
